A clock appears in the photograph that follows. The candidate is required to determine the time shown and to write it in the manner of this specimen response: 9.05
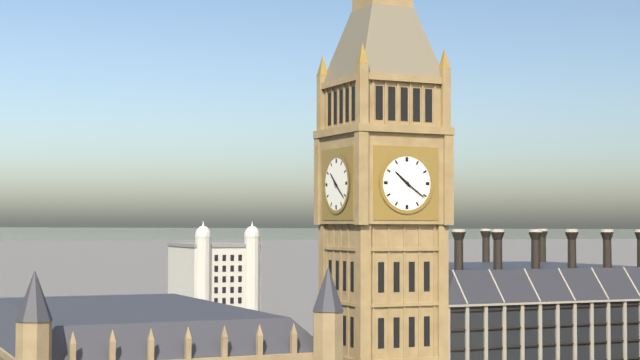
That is 10.21
